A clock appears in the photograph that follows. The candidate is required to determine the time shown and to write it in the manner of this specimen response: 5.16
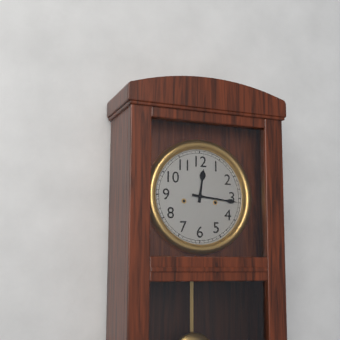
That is 12.16
